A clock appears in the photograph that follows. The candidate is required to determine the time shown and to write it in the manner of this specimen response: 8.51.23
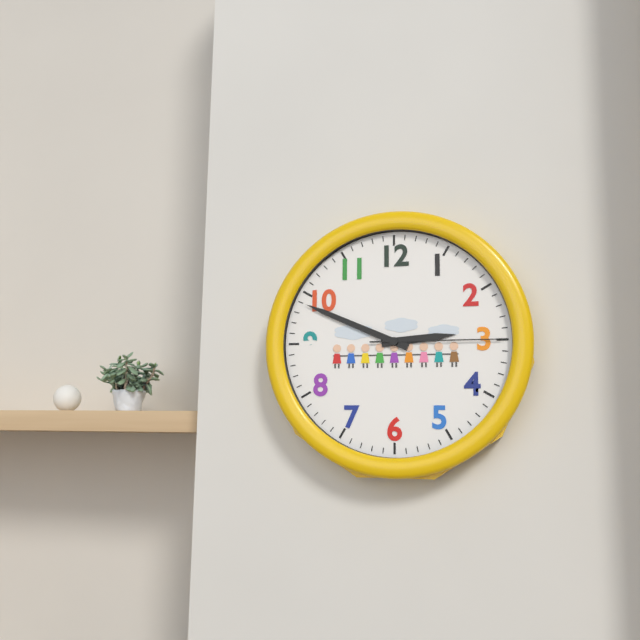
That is 2.49.15
